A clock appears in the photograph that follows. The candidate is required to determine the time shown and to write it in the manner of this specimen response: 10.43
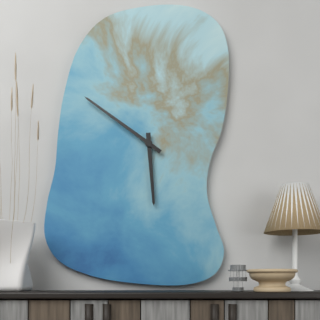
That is 5.51
